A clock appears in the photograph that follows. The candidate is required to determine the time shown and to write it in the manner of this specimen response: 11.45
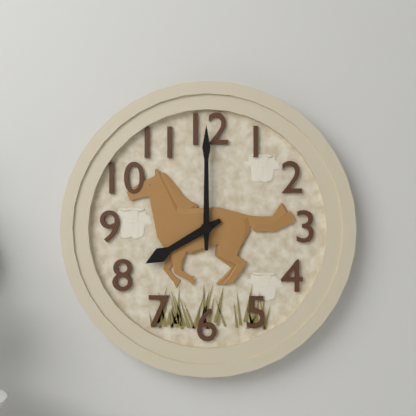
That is 8.00
